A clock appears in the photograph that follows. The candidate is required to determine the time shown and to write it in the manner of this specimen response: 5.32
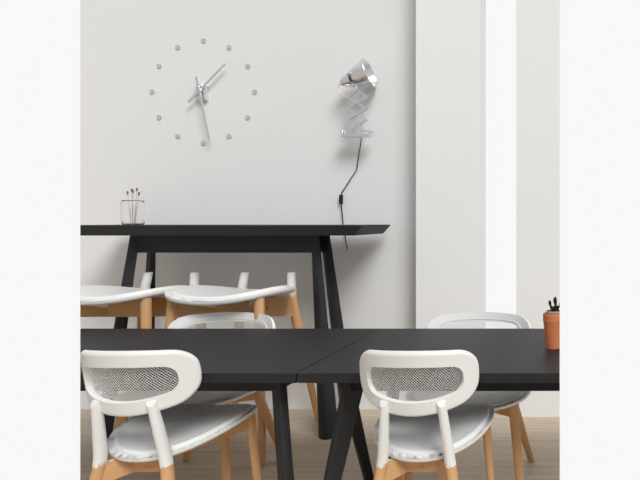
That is 1.28
